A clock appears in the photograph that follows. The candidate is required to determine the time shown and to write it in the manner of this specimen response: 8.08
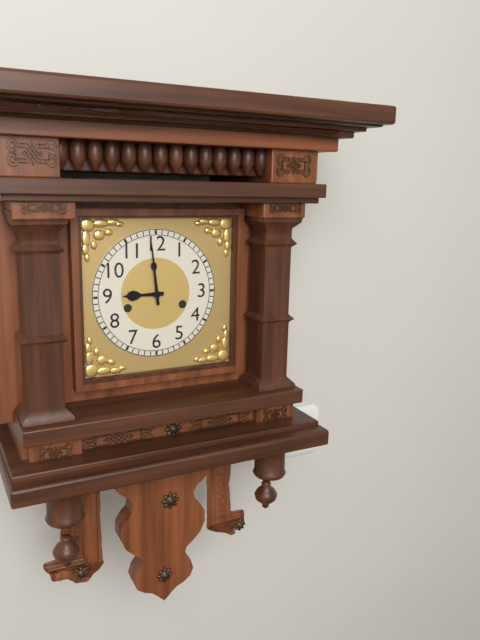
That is 8.59
